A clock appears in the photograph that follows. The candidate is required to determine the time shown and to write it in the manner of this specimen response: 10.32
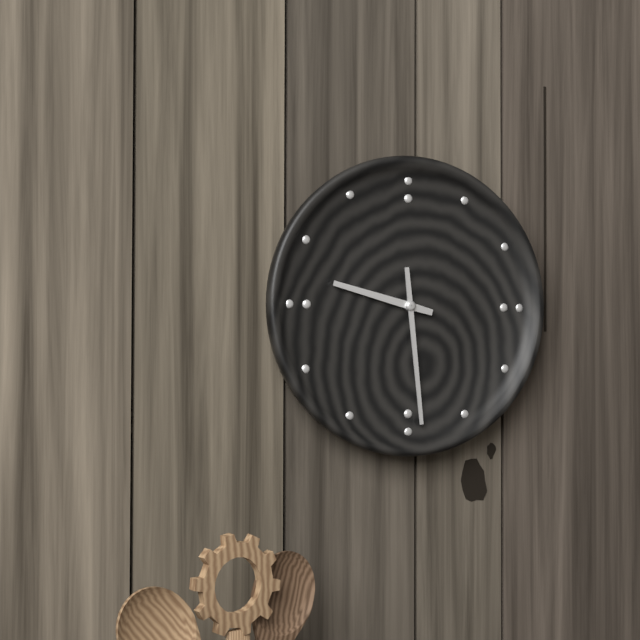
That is 9.29
